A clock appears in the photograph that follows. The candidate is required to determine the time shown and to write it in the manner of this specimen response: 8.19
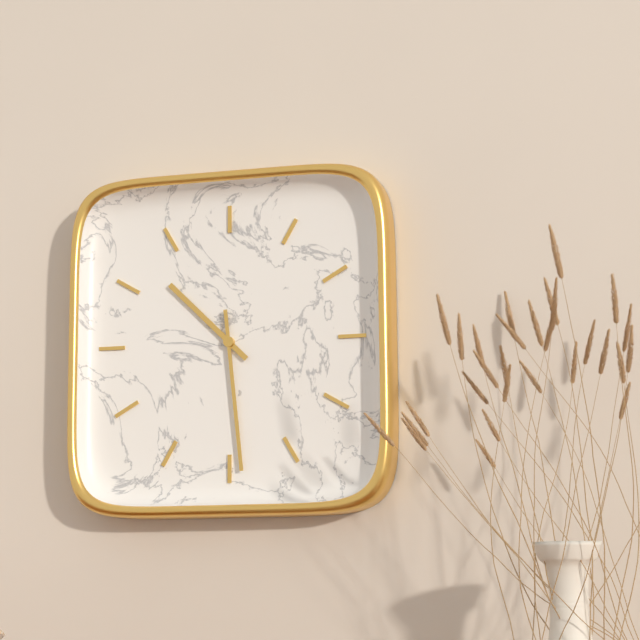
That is 10.29
